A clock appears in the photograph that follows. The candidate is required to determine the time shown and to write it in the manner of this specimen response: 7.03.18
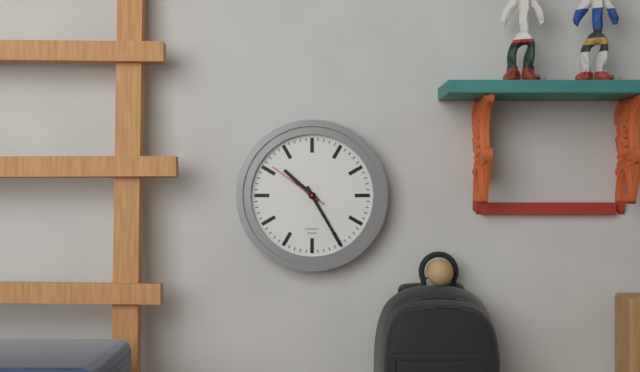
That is 10.25.51
